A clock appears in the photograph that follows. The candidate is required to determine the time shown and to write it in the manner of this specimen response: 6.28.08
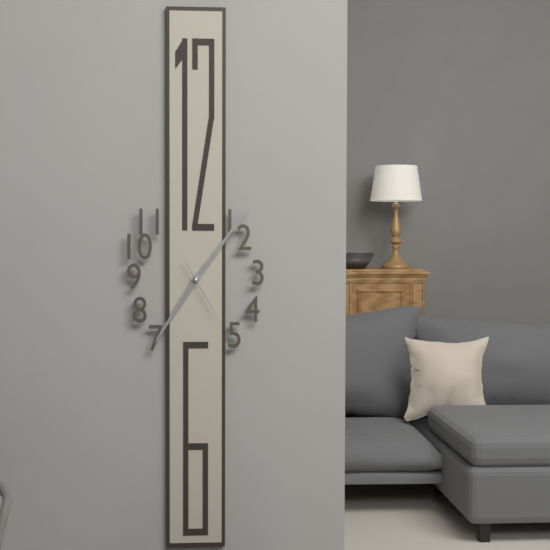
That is 7.06.25
